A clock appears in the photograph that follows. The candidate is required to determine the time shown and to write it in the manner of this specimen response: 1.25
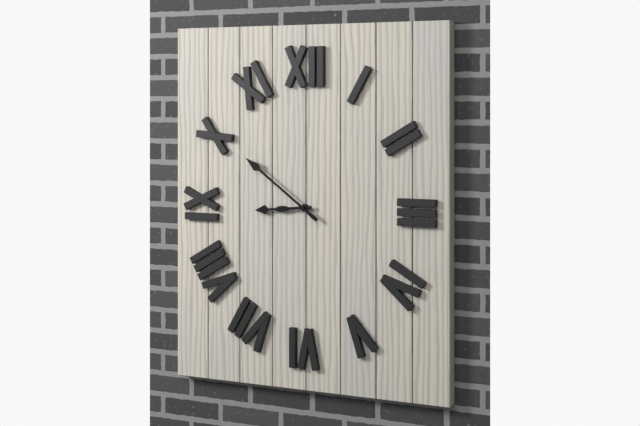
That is 8.51
